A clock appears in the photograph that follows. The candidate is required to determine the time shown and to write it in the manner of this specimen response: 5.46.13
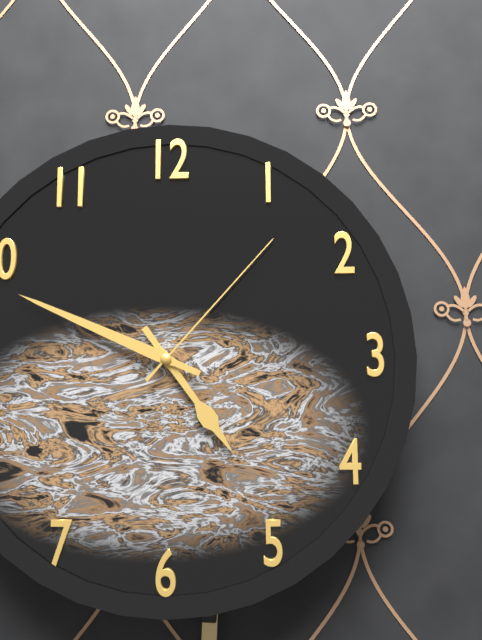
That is 4.49.07
